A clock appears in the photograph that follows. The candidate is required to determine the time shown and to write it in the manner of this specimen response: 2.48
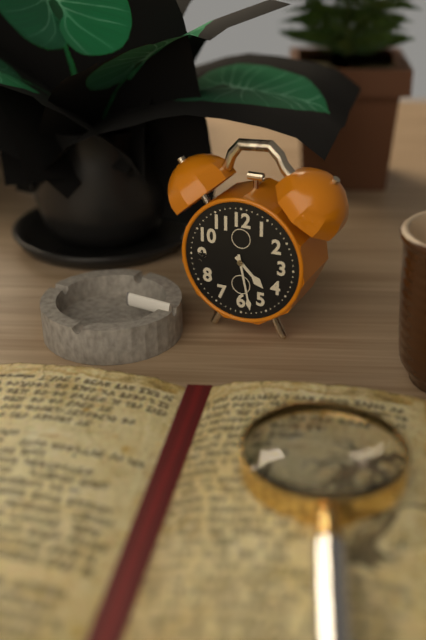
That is 4.28
